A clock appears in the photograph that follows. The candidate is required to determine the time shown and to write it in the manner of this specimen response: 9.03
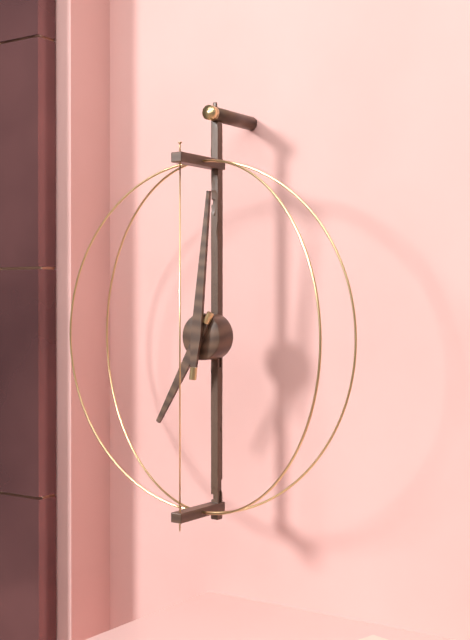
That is 7.01
